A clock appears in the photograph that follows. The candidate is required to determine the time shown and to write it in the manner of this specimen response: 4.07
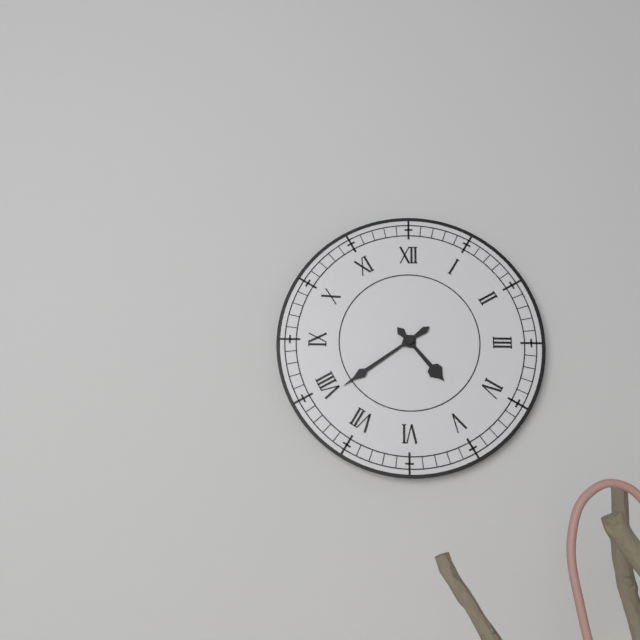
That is 4.39
